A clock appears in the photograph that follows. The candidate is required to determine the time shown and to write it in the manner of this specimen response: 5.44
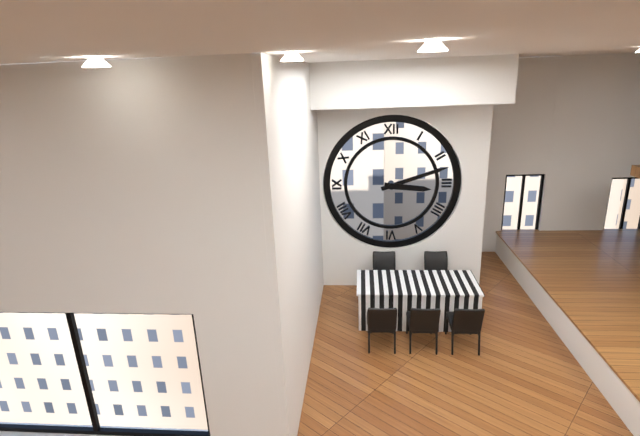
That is 3.12
